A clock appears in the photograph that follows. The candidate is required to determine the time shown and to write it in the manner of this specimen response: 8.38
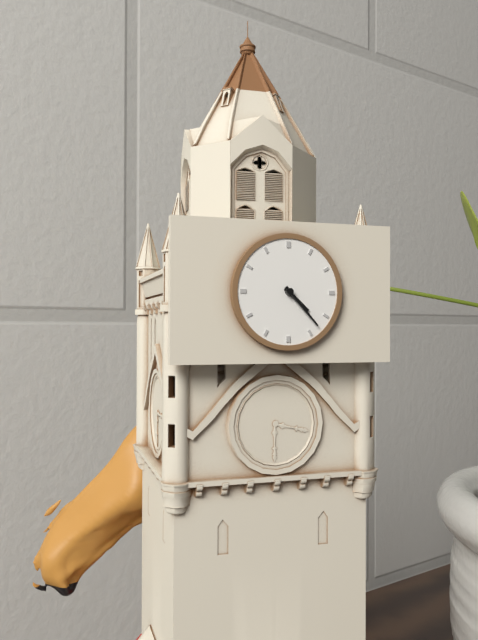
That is 4.23
